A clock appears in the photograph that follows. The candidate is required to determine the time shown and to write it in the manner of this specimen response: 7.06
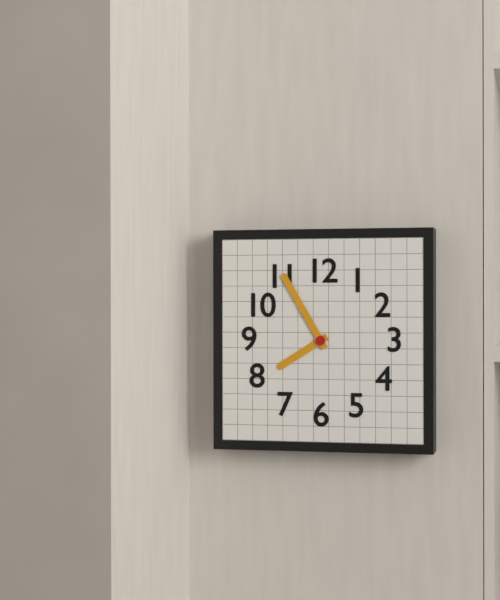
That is 7.55
